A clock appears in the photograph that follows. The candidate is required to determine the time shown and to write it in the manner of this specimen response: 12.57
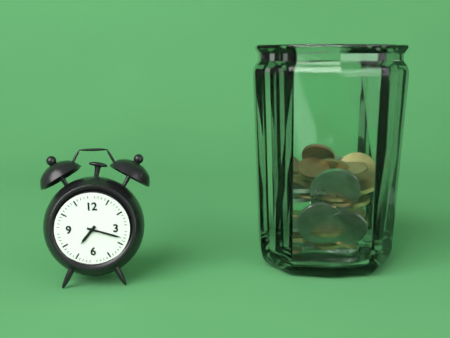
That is 7.18
